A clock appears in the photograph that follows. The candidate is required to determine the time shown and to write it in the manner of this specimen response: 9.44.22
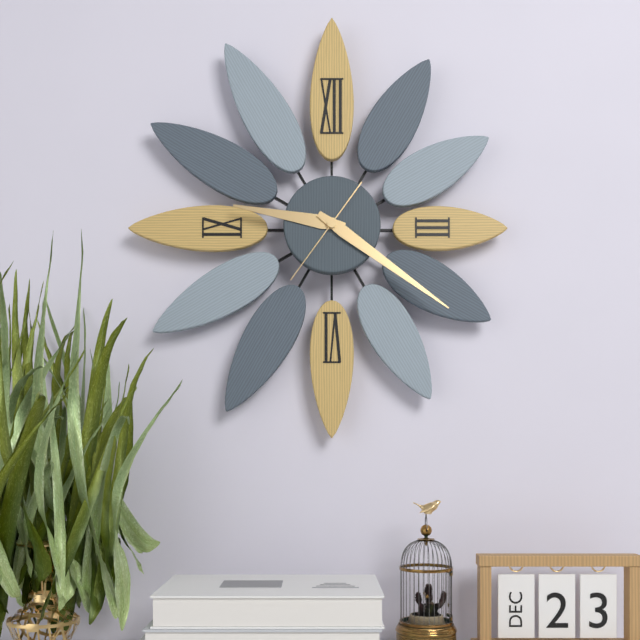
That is 9.21.36
